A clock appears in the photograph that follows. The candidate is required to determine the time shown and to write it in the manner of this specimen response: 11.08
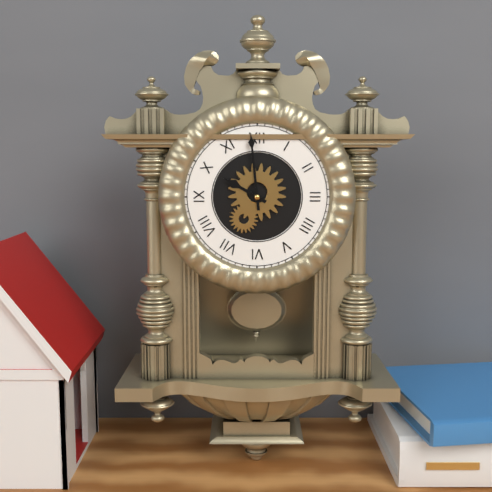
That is 9.59
